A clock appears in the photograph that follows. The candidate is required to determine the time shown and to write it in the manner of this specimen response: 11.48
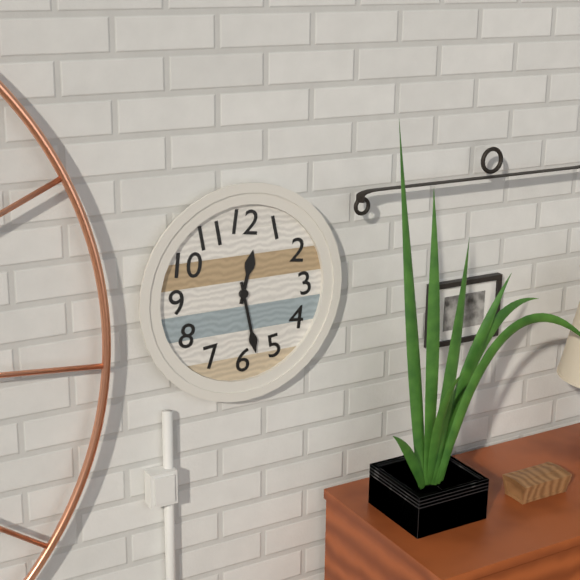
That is 12.28
